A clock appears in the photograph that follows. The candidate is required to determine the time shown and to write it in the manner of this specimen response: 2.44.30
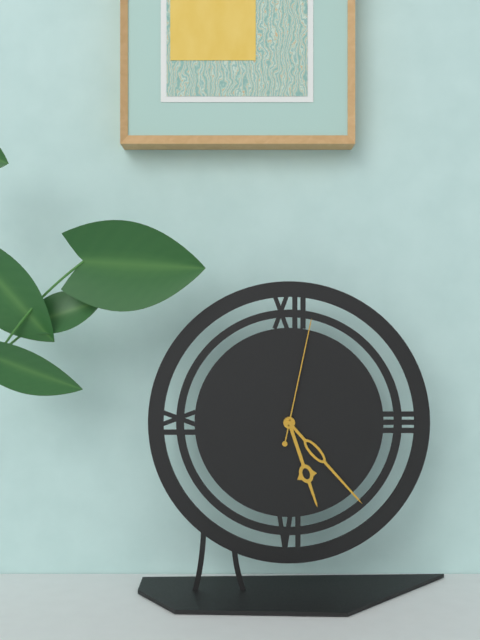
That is 5.23.02
